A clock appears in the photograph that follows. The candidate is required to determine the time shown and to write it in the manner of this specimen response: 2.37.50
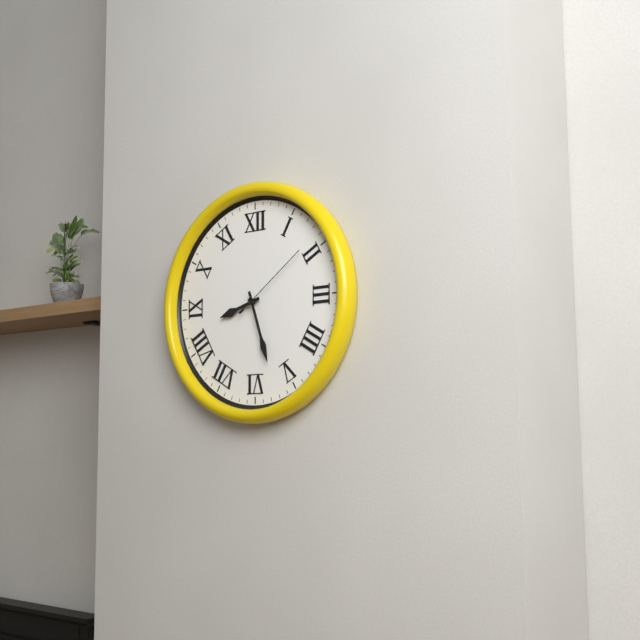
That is 8.27.09
